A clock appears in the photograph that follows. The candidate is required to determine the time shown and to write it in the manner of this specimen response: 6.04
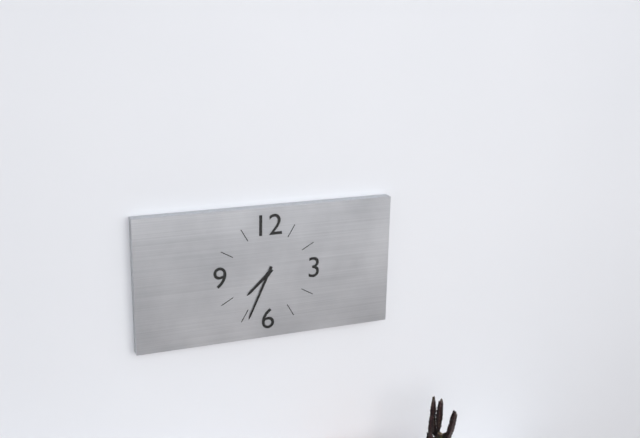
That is 7.34
